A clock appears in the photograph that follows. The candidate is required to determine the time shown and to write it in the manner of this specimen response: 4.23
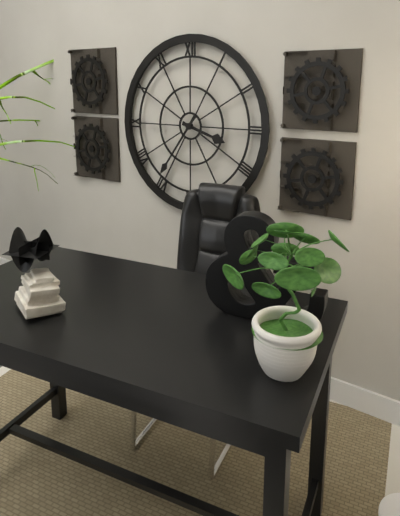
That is 3.36
